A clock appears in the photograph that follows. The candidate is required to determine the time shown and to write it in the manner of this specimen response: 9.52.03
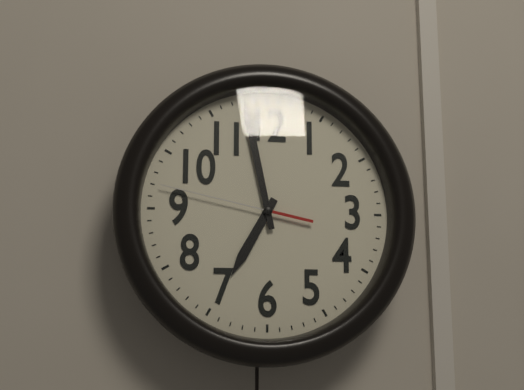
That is 6.58.47
